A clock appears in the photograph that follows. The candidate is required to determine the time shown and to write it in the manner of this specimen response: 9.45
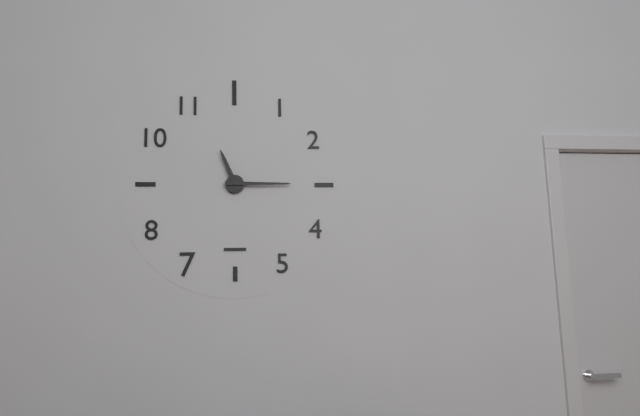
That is 11.15
